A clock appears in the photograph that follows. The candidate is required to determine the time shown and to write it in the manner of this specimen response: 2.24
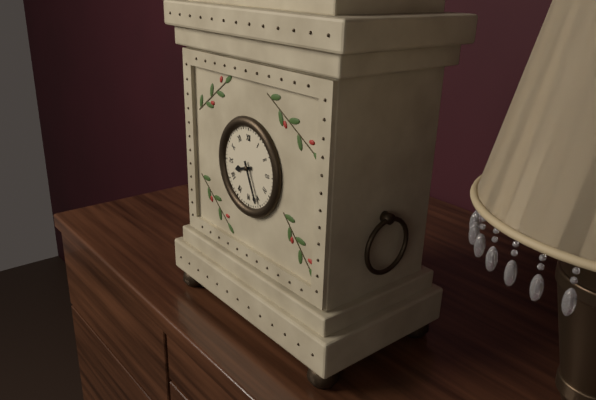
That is 8.26
